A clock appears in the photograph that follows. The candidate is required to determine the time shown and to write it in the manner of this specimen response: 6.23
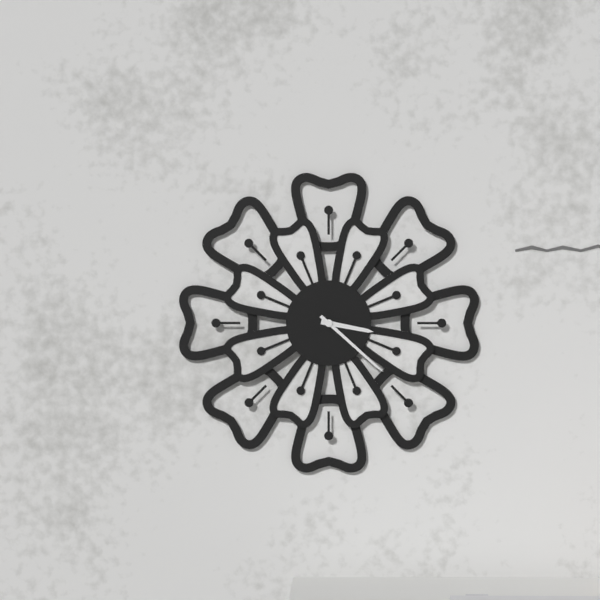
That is 3.22
